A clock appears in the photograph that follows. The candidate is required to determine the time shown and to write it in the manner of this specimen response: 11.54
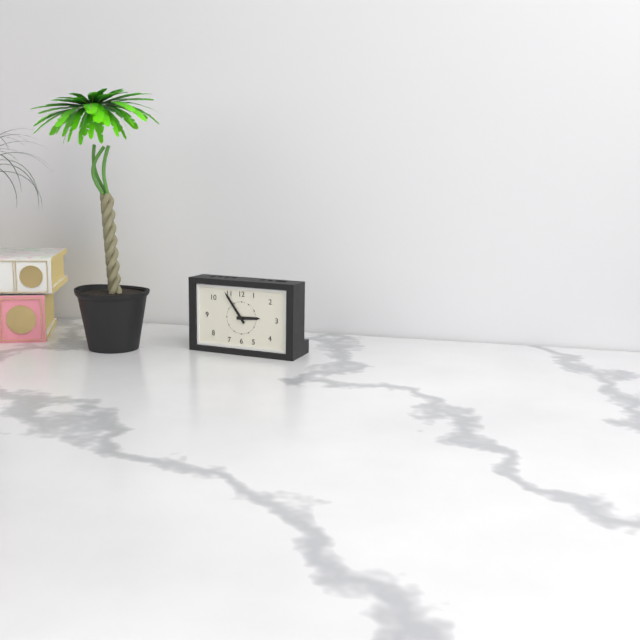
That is 2.54
